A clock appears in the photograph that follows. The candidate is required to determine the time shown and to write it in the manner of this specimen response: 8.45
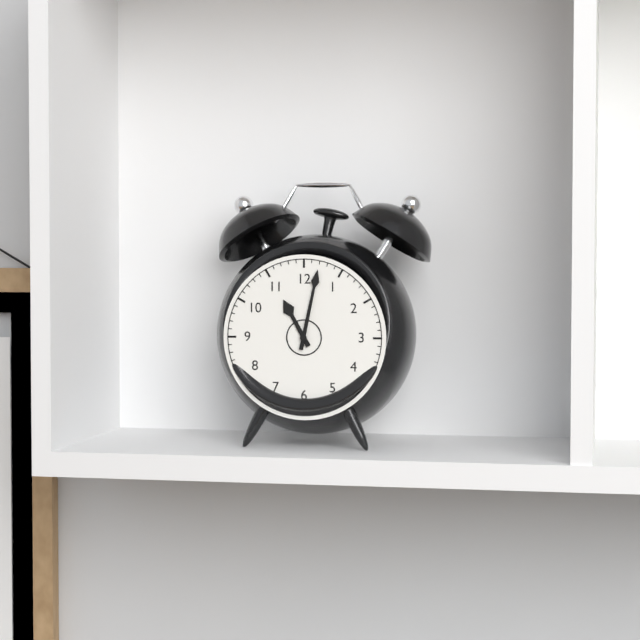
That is 11.02
